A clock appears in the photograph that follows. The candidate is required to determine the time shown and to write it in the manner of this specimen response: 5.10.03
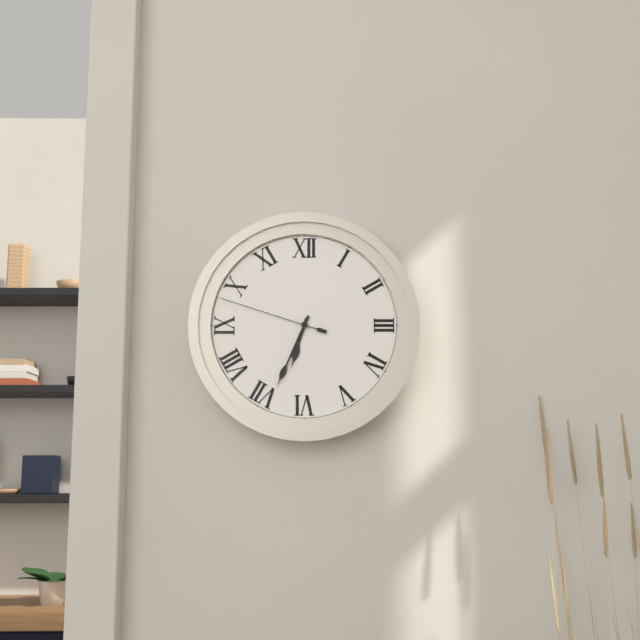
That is 6.34.48
